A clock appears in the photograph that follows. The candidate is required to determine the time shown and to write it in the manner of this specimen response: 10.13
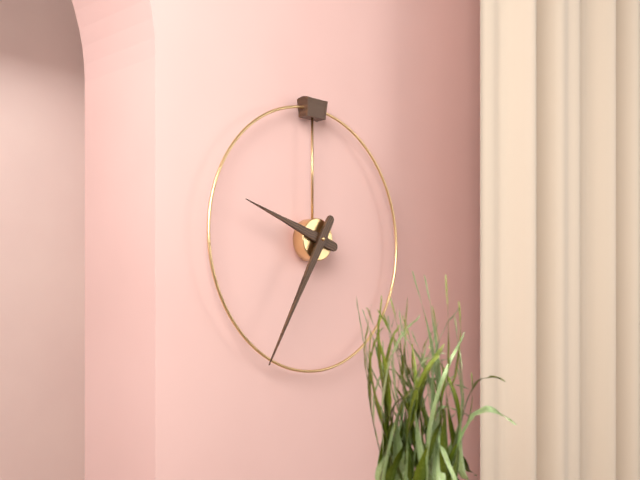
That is 9.35
